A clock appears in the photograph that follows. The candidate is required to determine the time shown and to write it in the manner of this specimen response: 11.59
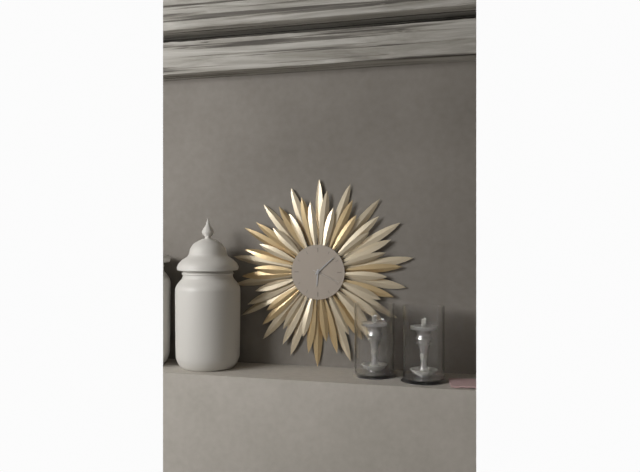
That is 6.08
